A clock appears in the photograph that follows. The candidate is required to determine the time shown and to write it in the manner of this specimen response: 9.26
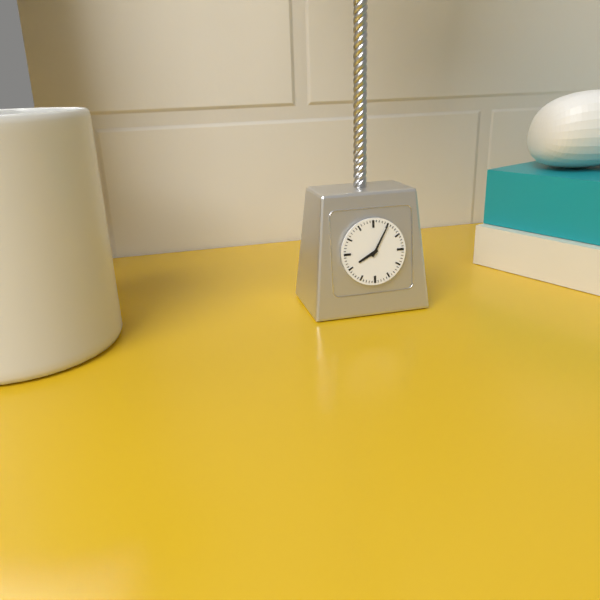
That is 8.05
